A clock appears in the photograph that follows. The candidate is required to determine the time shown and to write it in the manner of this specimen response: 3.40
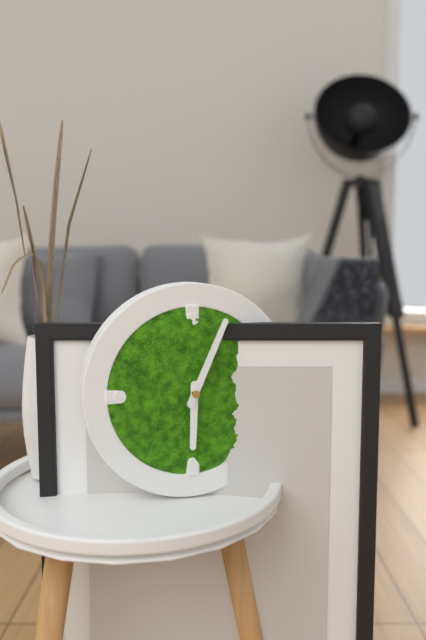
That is 6.04
